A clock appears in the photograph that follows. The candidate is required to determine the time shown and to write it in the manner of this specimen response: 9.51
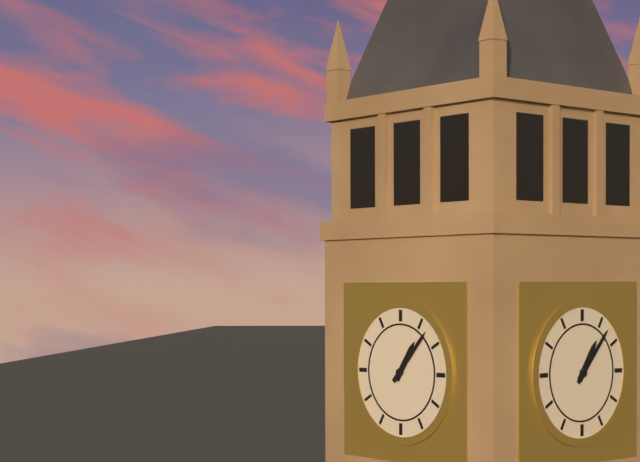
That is 1.07
